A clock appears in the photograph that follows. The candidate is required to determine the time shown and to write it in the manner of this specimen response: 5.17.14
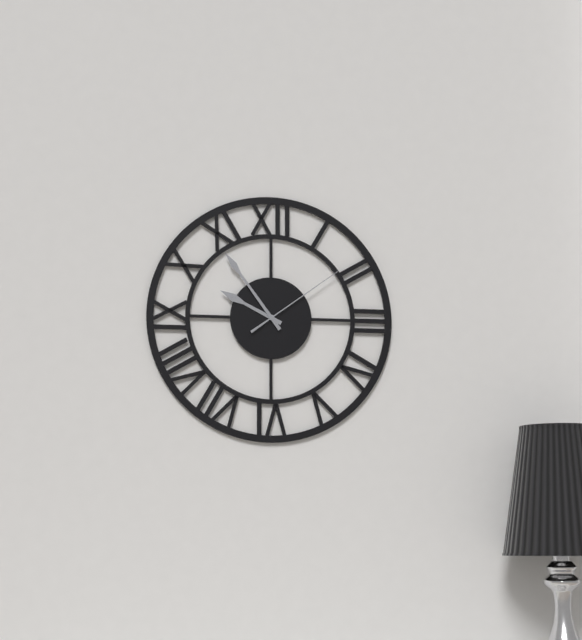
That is 9.54.09
